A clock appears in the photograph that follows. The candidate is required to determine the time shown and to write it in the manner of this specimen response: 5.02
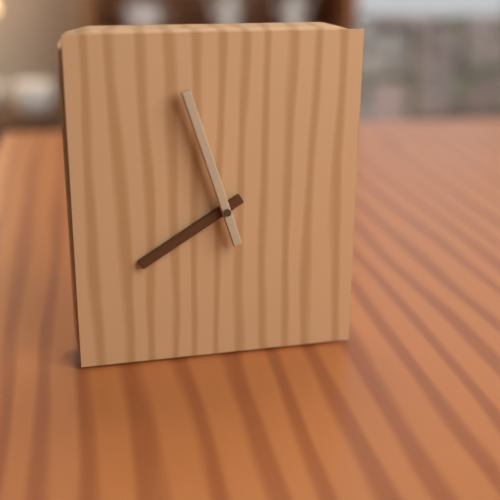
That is 7.57
